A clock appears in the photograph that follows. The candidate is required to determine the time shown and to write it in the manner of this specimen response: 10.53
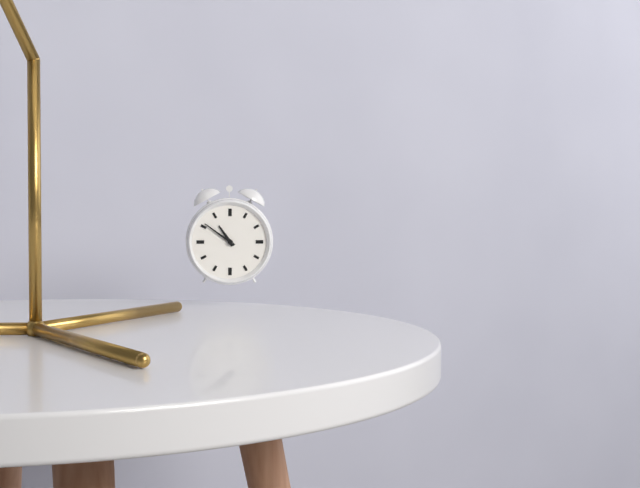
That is 10.51
